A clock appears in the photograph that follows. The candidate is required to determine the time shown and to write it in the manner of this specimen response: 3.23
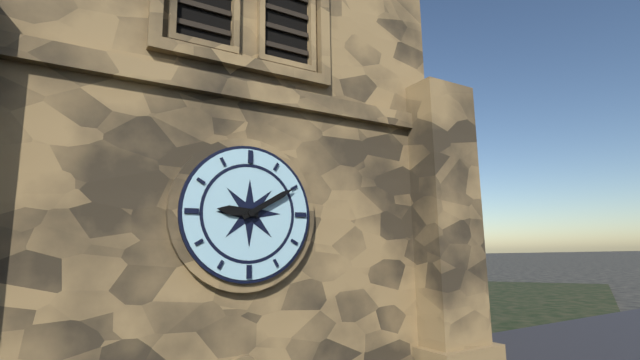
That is 9.10
